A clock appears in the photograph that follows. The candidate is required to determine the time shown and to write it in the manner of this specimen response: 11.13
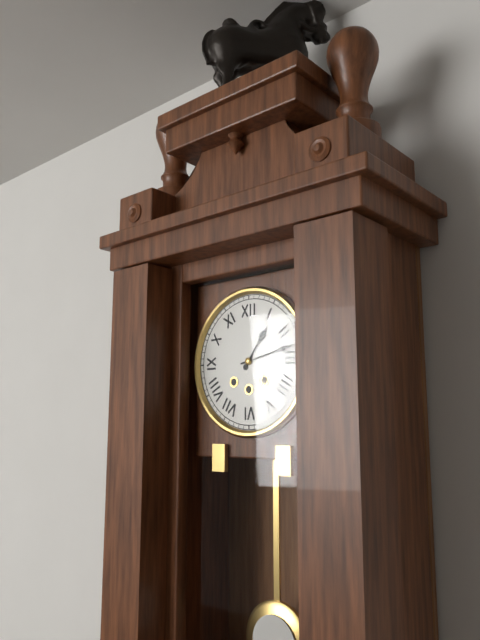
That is 1.13
